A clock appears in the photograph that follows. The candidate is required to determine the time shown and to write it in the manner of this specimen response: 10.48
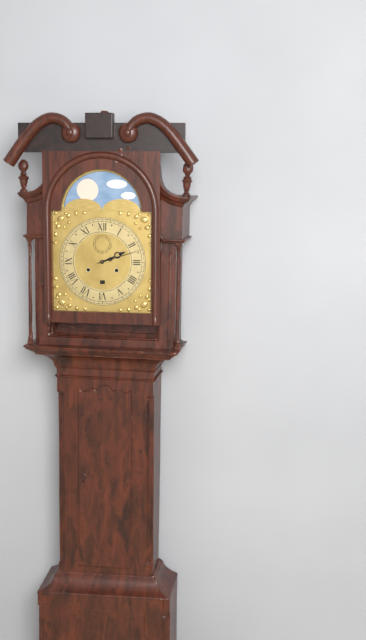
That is 2.12
